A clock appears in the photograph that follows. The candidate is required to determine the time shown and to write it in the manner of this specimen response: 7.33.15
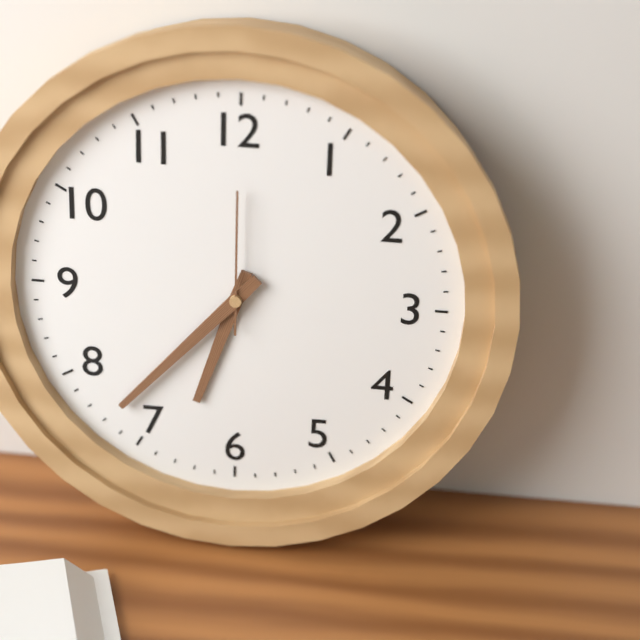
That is 6.37.00
